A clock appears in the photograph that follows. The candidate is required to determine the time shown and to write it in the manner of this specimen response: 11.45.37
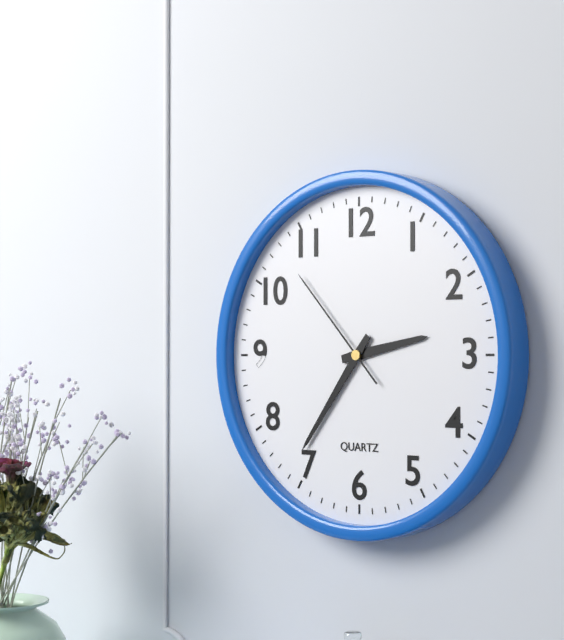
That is 2.36.53
